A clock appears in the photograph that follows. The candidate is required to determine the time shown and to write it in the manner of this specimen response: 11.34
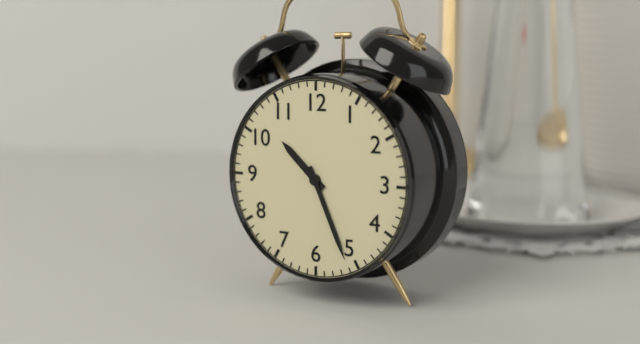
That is 10.26
